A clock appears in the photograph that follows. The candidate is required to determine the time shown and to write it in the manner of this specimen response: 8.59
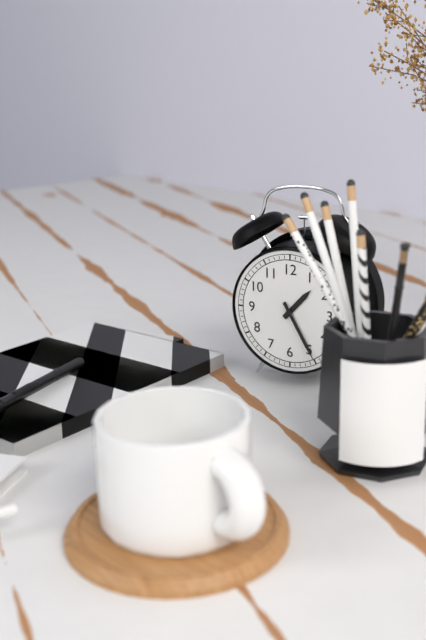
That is 1.25
